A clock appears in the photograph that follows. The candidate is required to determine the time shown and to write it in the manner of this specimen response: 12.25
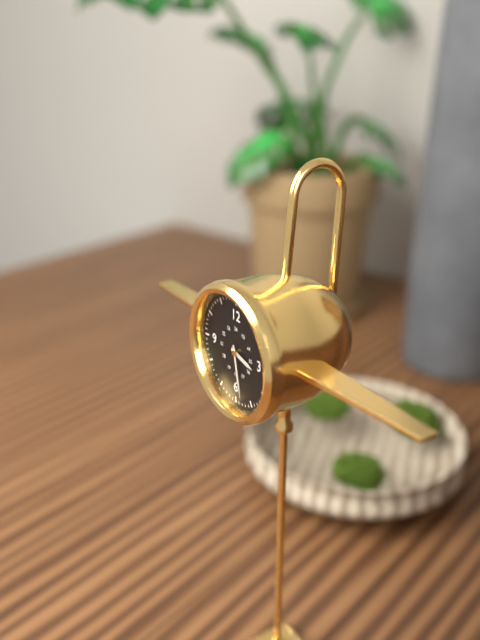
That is 3.28
